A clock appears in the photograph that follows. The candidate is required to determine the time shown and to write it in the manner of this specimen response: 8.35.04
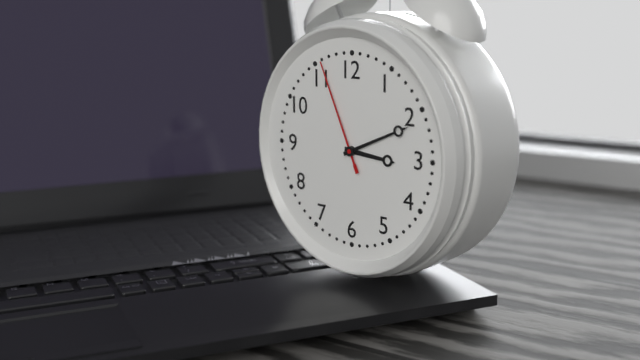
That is 3.11.56
